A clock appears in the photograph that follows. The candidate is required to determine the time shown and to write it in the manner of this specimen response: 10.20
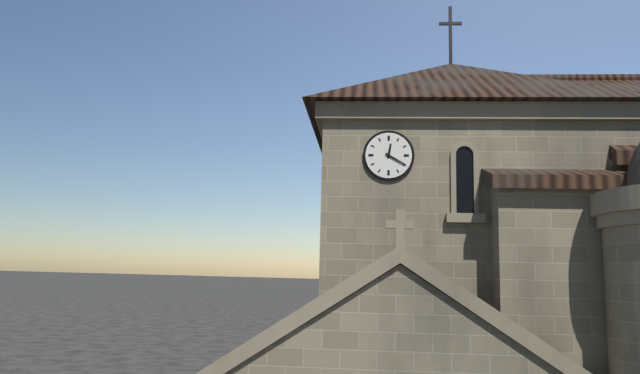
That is 12.20
